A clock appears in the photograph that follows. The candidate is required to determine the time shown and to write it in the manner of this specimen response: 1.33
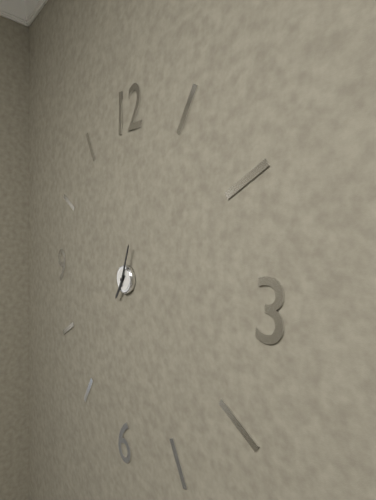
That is 7.03
